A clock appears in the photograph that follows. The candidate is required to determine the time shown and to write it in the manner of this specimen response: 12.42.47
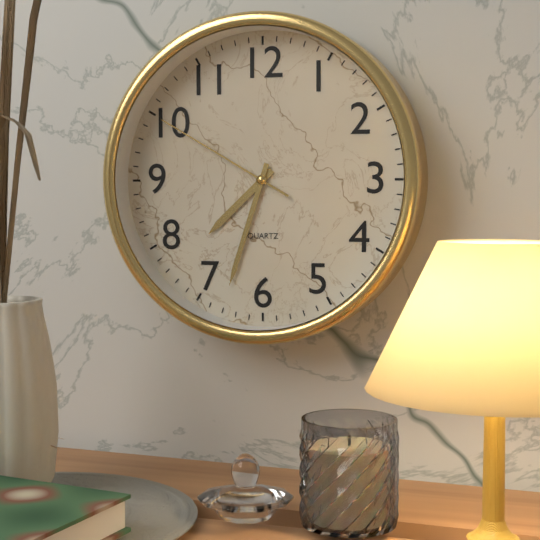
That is 7.33.50
